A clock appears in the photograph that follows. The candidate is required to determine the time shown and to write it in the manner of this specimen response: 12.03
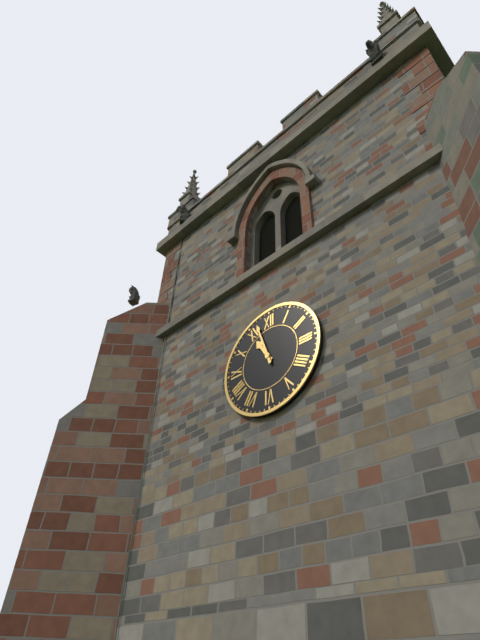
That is 10.57
